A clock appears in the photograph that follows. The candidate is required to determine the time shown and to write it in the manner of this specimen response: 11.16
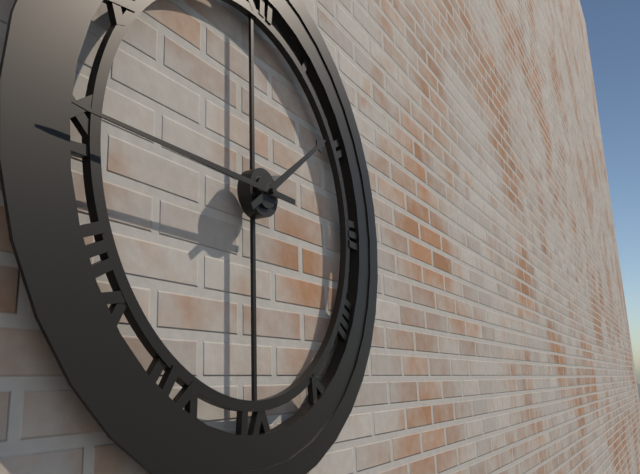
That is 1.45
